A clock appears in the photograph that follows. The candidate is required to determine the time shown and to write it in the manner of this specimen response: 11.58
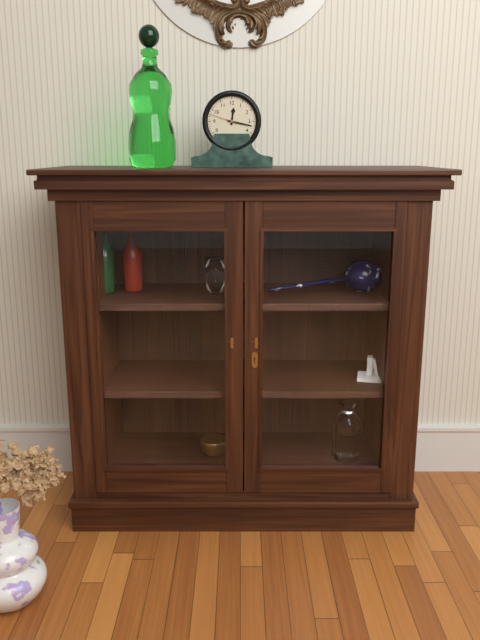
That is 12.17
